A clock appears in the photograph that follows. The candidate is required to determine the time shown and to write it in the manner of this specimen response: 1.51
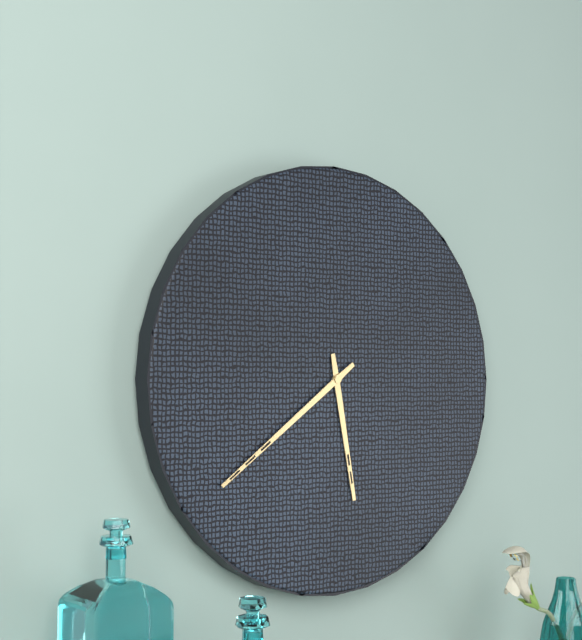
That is 5.39
